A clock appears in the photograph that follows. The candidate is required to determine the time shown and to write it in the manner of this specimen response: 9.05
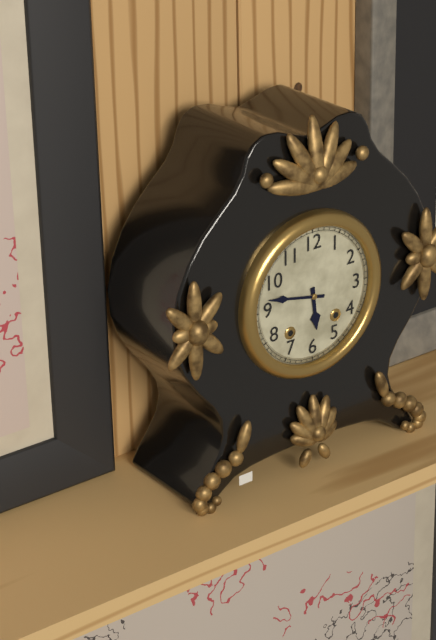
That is 5.47
